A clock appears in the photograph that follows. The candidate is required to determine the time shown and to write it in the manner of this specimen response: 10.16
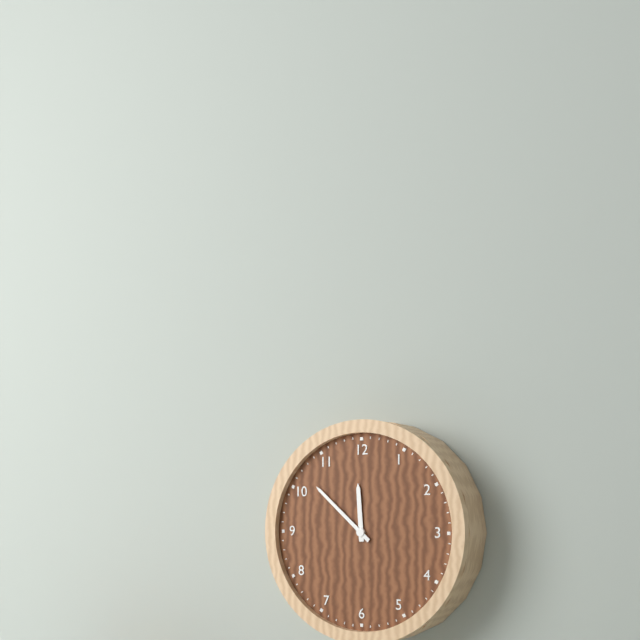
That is 11.52
